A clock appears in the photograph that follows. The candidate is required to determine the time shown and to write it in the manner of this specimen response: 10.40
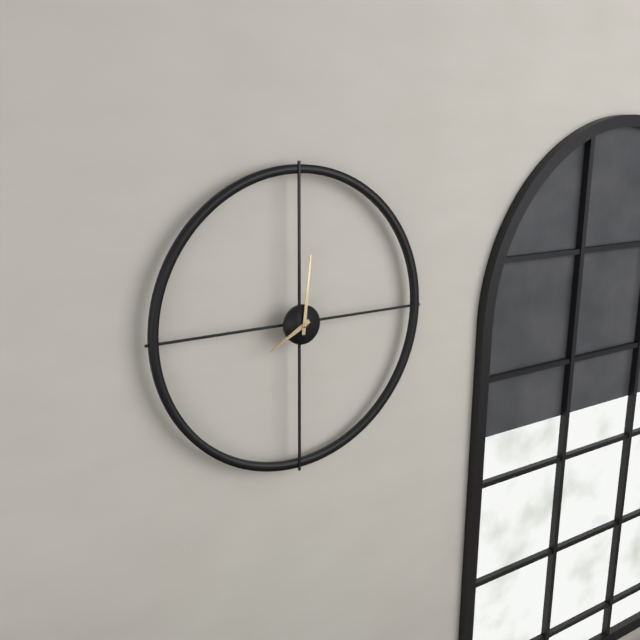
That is 8.01
